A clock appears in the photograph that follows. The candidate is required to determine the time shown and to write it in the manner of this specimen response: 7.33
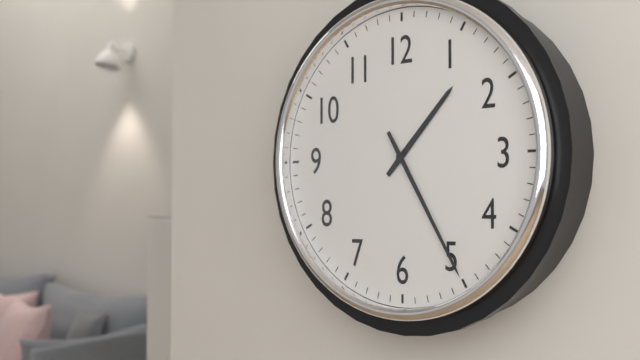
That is 1.25
